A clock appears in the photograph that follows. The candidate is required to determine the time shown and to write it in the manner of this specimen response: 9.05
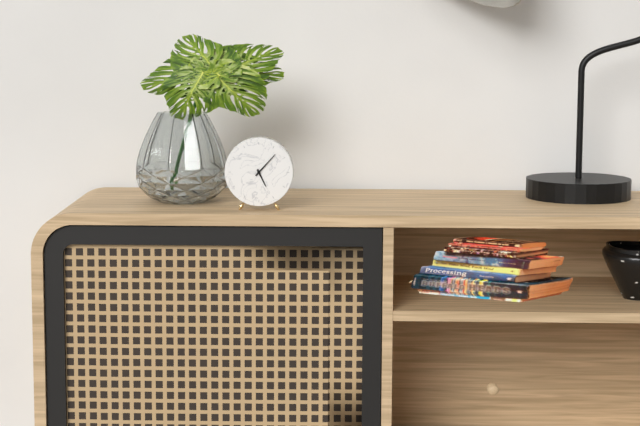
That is 5.07
